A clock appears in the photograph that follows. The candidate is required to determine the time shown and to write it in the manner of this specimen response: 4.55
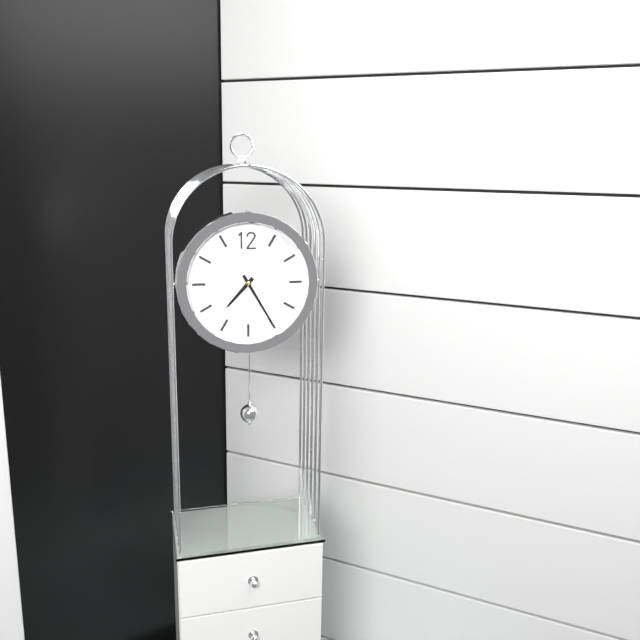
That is 7.25
